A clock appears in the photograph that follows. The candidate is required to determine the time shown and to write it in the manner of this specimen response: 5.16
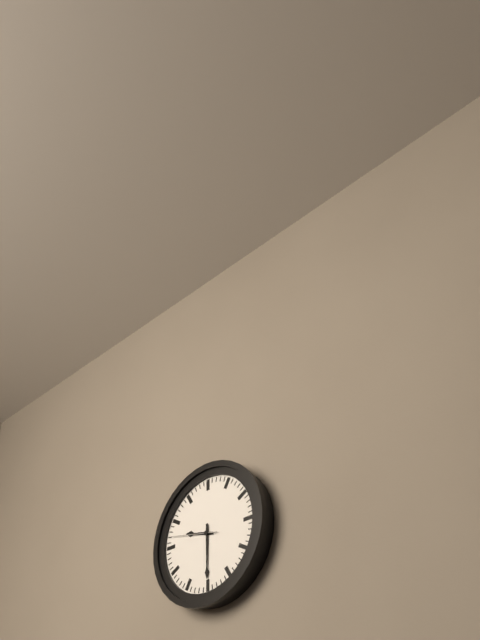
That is 9.30
